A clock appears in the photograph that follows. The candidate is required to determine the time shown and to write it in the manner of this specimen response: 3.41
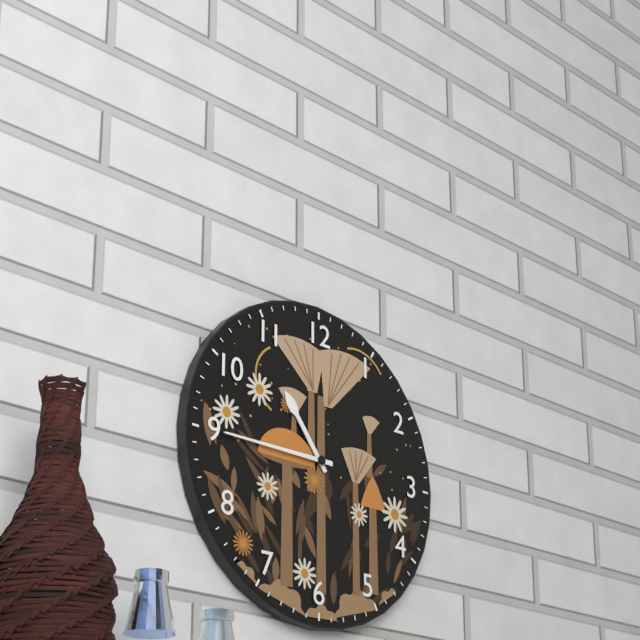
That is 10.45
